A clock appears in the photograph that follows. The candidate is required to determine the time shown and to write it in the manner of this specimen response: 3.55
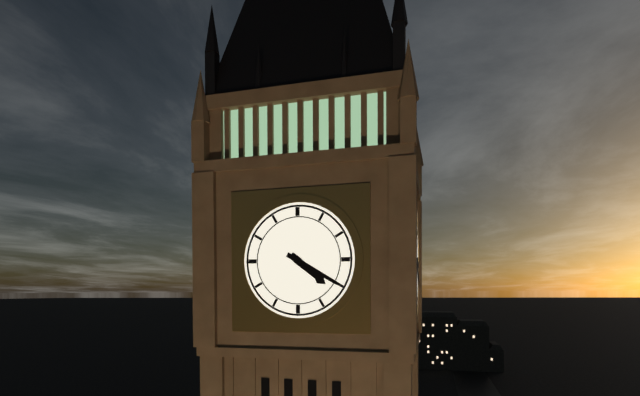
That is 4.20
